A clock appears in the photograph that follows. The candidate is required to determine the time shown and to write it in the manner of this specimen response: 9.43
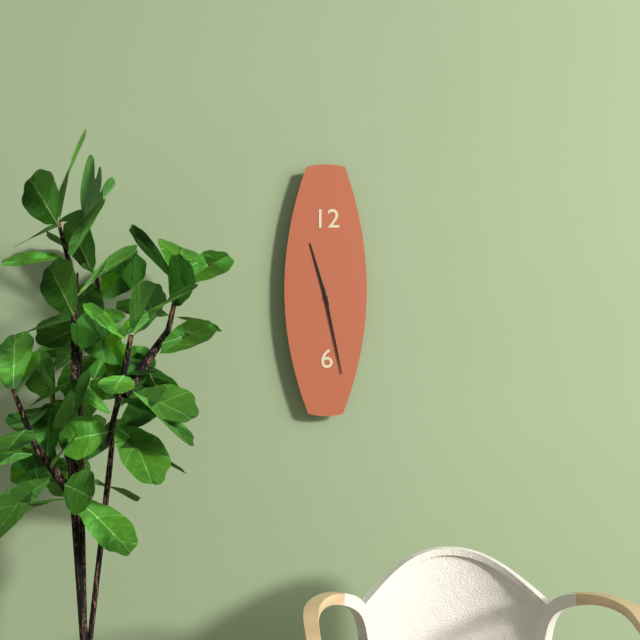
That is 11.28
